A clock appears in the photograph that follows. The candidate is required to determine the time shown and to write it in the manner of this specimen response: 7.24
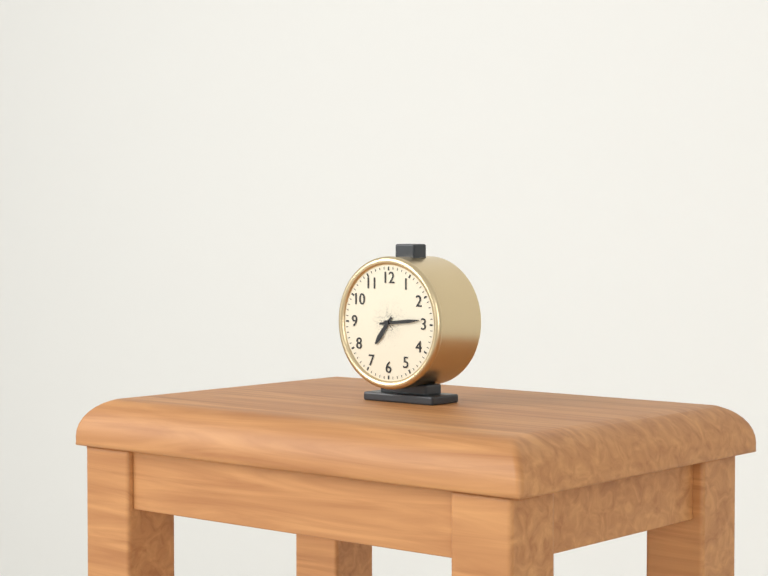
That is 7.14
